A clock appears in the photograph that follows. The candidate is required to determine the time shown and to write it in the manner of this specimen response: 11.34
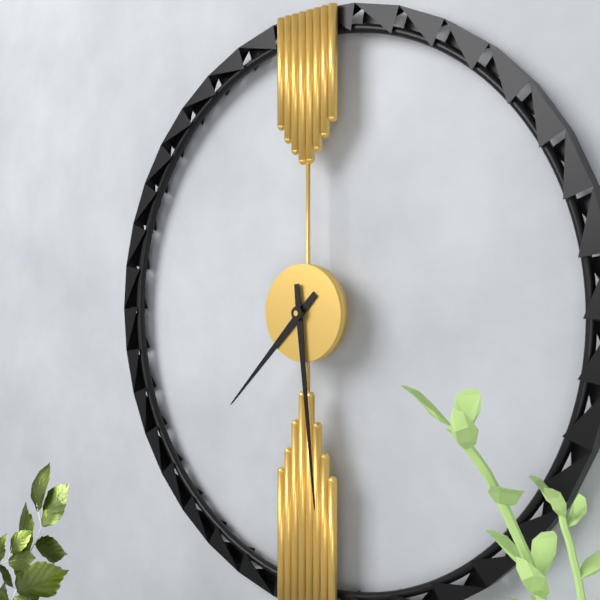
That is 7.29
